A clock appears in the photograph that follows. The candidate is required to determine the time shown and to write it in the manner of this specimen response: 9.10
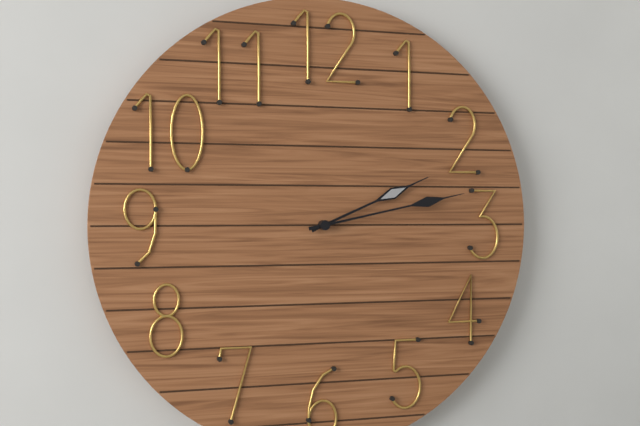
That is 2.13
